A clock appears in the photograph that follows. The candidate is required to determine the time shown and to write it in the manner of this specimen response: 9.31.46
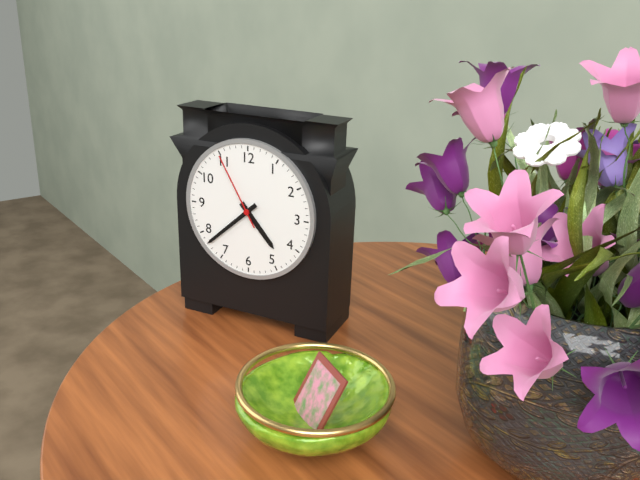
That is 4.38.55
